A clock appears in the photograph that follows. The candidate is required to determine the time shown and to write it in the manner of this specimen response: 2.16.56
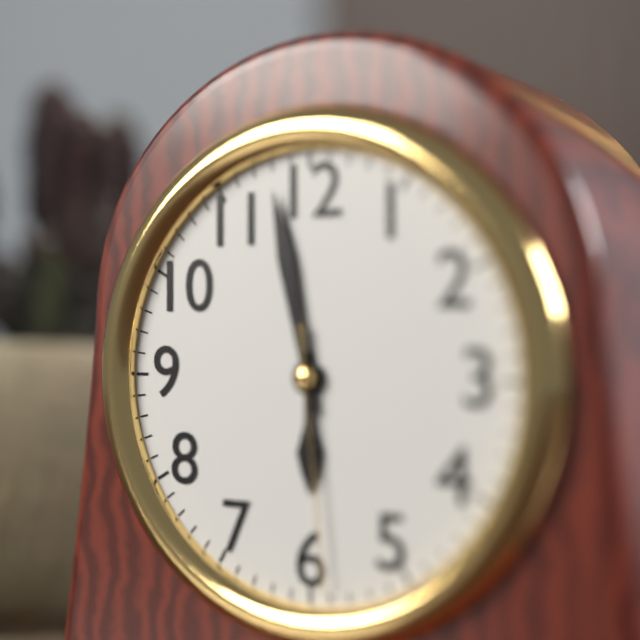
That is 5.58.29
